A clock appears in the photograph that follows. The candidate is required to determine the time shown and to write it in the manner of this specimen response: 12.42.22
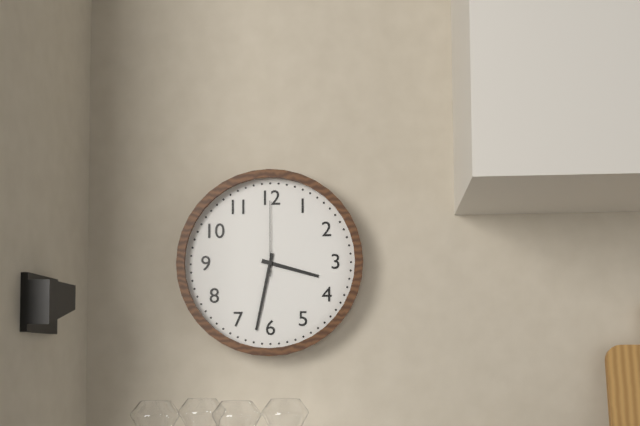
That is 3.32.00
